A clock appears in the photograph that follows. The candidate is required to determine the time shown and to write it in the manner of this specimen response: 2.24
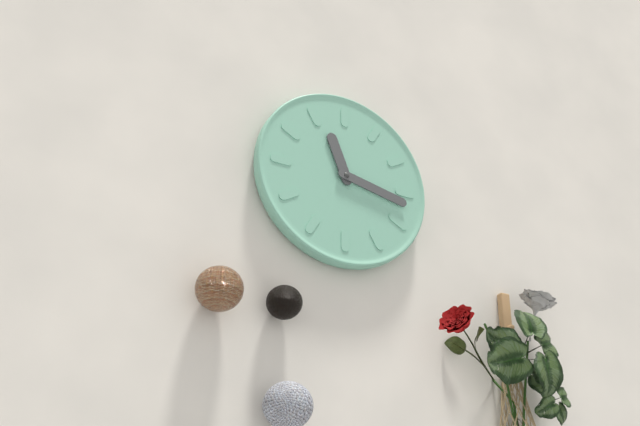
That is 11.17
